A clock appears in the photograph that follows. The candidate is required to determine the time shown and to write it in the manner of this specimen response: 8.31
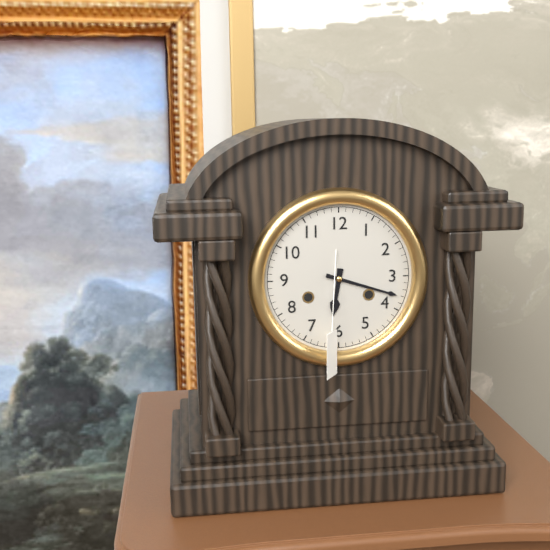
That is 6.18
